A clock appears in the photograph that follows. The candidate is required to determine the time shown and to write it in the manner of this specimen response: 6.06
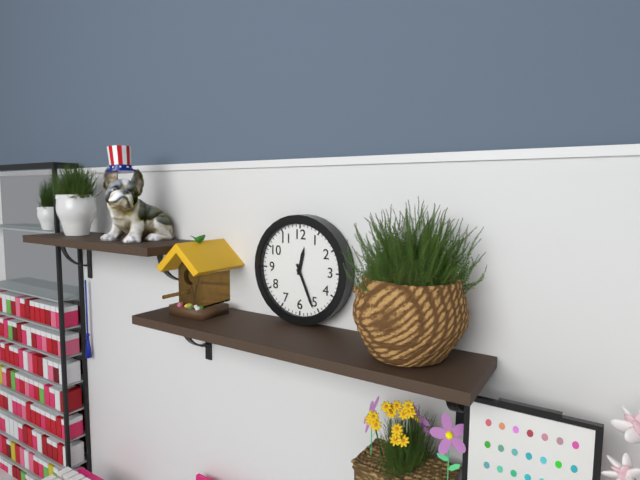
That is 12.26
